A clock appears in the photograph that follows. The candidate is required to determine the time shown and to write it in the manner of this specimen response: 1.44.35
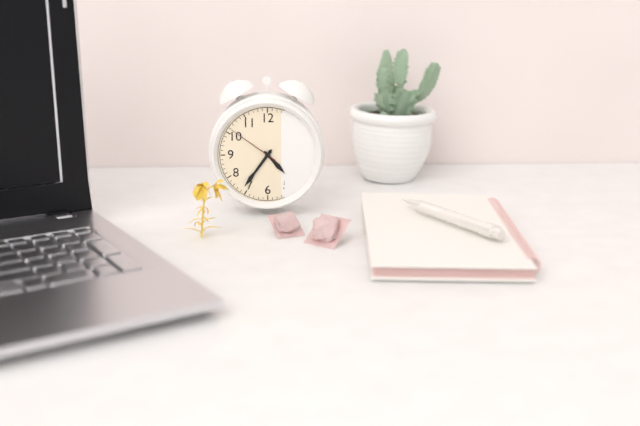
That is 4.36.51
